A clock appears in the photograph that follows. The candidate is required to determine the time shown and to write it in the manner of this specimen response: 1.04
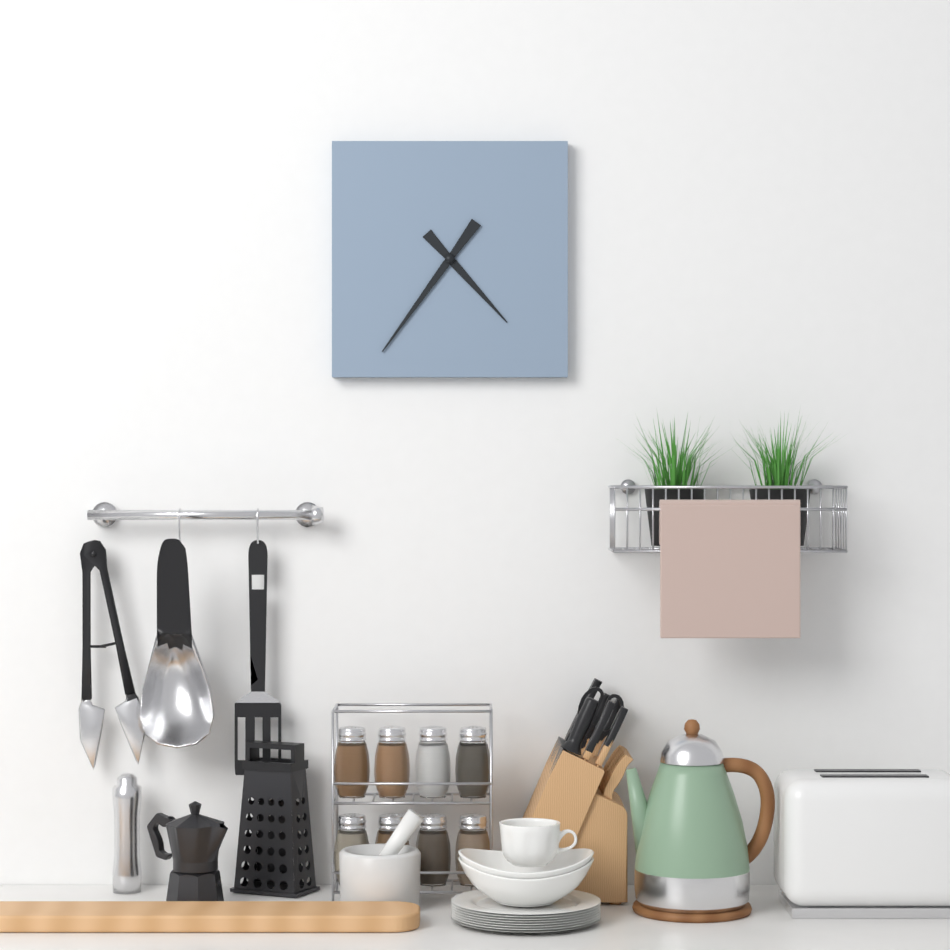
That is 4.36
